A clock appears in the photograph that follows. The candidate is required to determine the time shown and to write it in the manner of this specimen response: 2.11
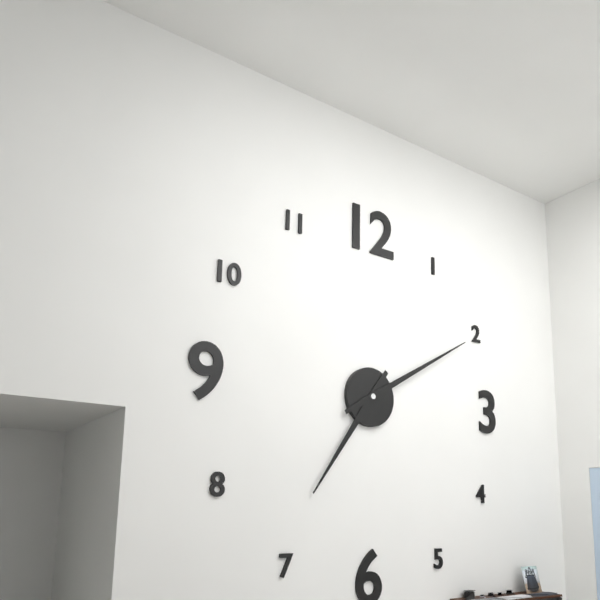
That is 7.10
